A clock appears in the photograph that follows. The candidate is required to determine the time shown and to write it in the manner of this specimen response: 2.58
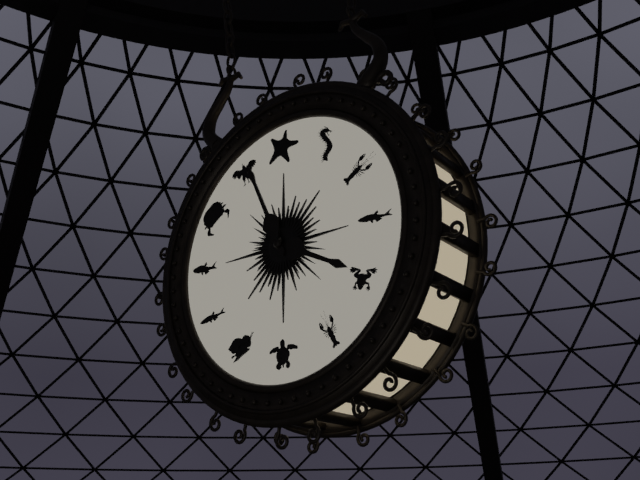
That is 3.56
